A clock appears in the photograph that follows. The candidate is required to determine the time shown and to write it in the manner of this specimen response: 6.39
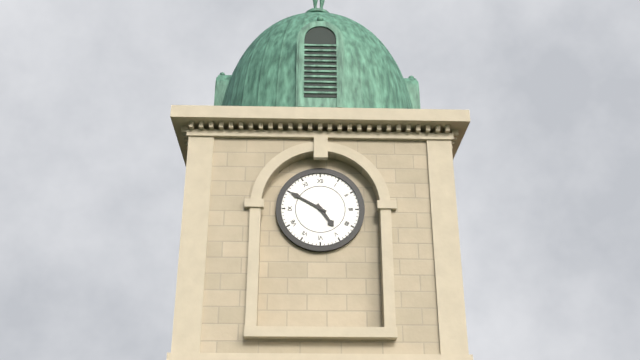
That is 4.50
